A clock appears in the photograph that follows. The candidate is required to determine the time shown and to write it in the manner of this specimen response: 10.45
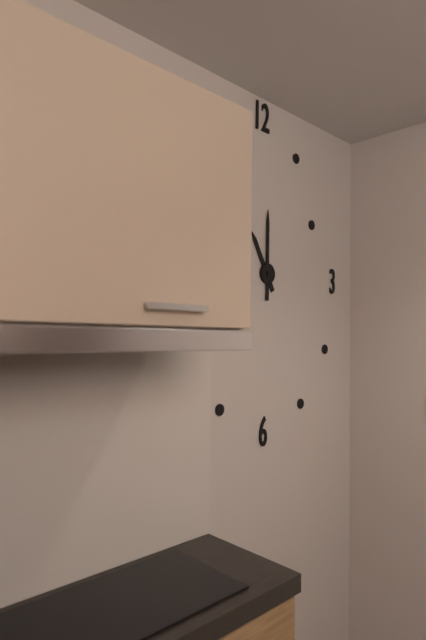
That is 11.00
